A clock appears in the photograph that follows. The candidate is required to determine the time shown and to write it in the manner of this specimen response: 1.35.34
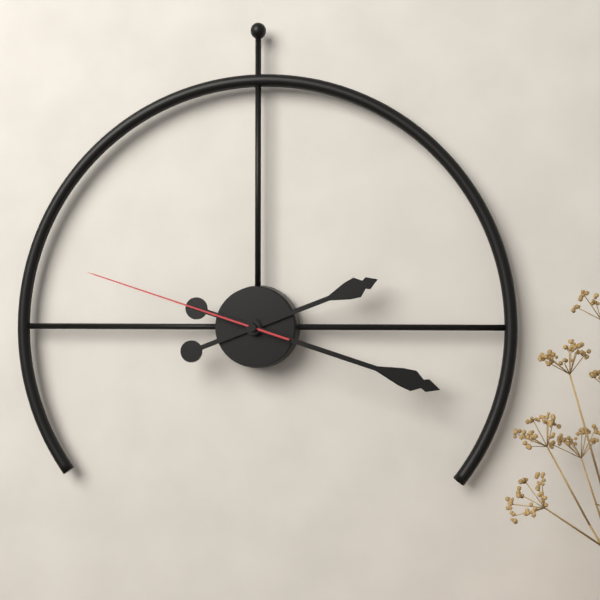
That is 2.18.48
